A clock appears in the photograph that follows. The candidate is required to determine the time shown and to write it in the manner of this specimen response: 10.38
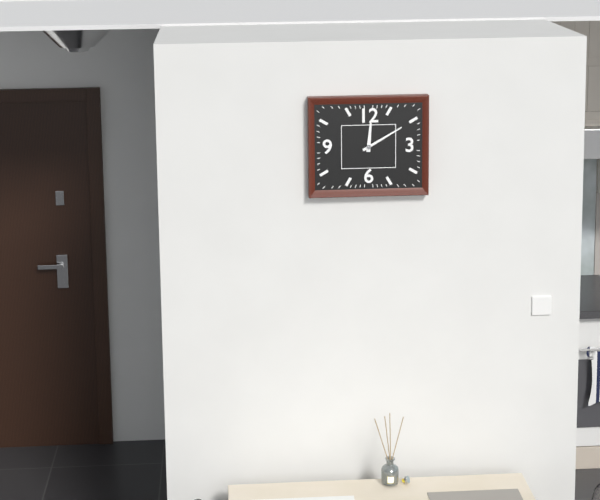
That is 12.10
